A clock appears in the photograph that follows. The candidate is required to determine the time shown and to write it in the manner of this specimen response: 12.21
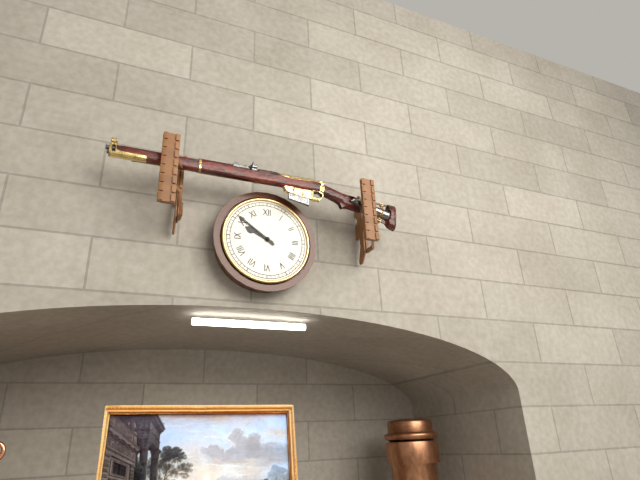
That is 9.51
